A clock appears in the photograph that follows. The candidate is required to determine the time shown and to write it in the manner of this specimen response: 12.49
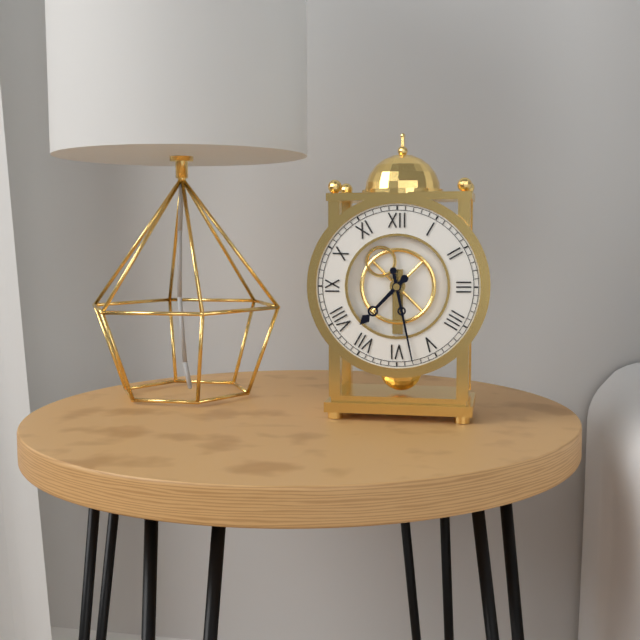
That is 7.28
